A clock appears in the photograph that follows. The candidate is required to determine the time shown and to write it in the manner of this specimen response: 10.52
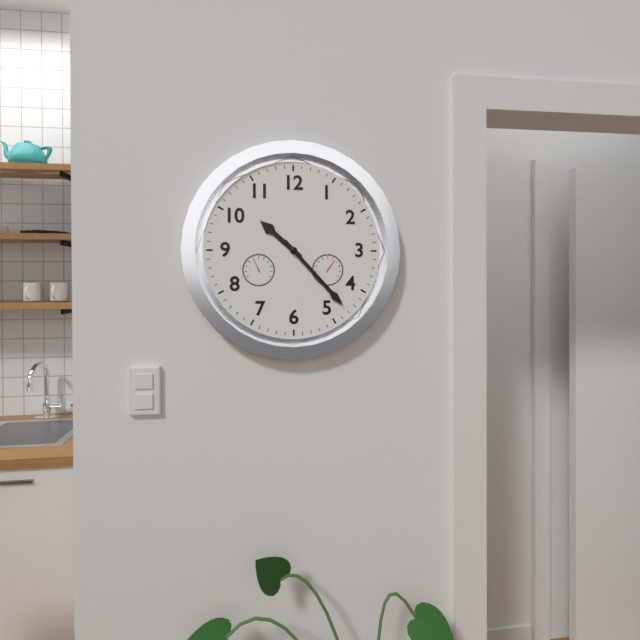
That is 10.23
